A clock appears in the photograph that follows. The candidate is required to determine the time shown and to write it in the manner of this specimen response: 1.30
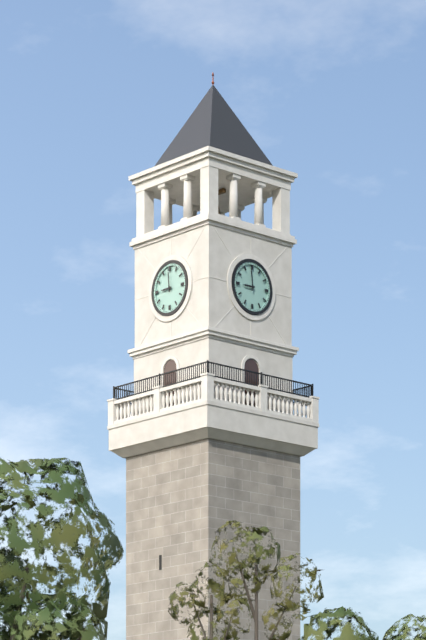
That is 8.59
